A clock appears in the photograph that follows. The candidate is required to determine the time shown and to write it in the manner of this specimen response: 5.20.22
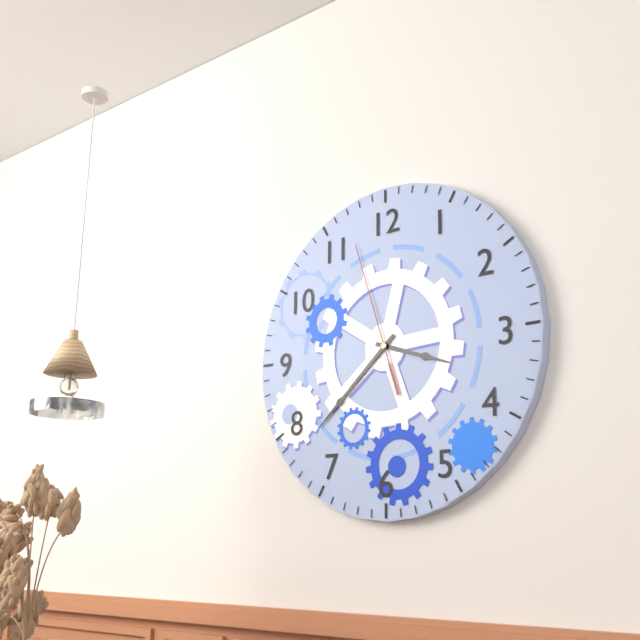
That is 3.38.57
